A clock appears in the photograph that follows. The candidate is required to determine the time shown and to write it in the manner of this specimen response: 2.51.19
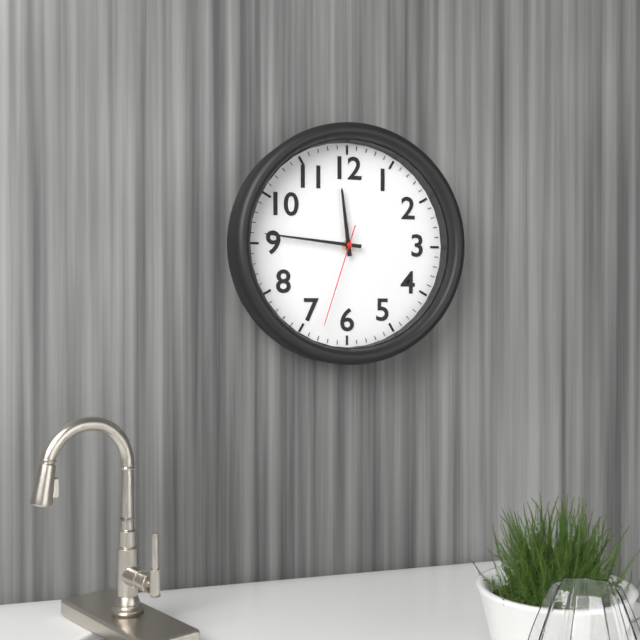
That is 11.46.33
